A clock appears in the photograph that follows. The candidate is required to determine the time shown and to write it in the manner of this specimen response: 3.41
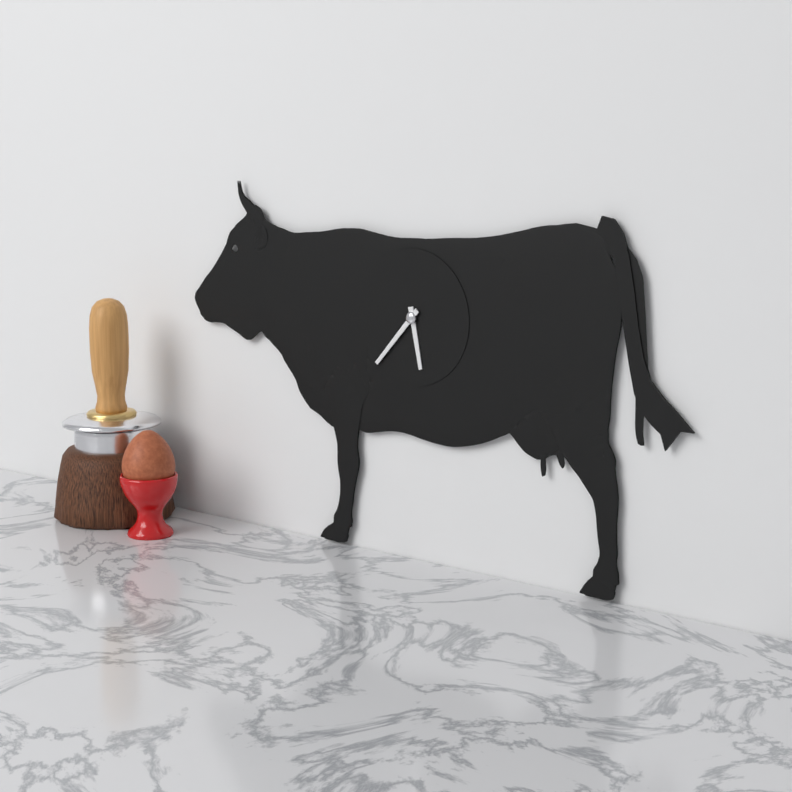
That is 5.37
